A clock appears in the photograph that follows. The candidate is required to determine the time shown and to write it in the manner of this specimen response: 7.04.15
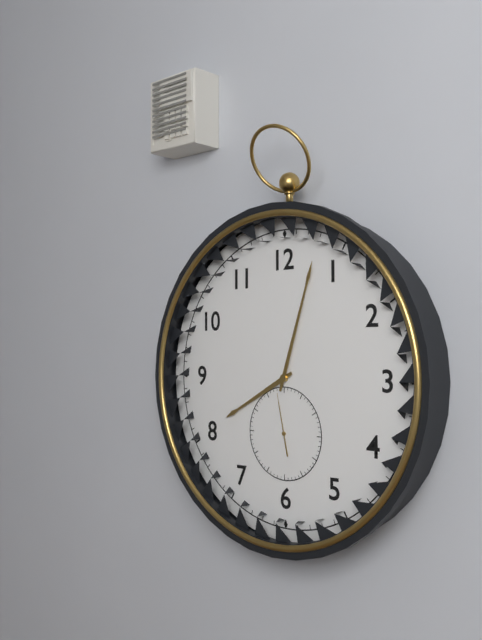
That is 8.03.58
